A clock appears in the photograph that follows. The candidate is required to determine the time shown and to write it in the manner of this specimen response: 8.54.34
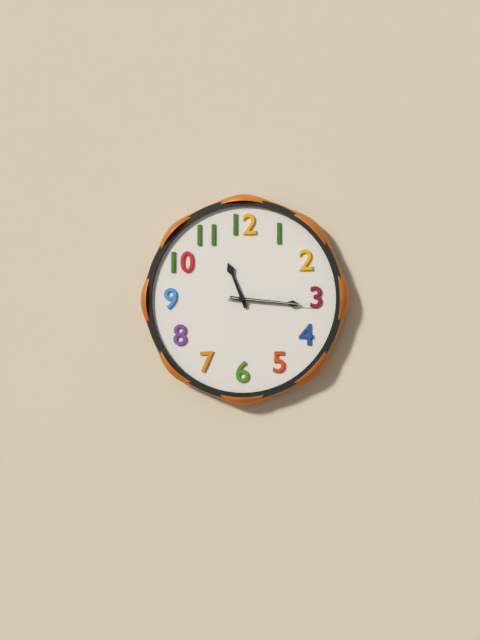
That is 11.16.16
